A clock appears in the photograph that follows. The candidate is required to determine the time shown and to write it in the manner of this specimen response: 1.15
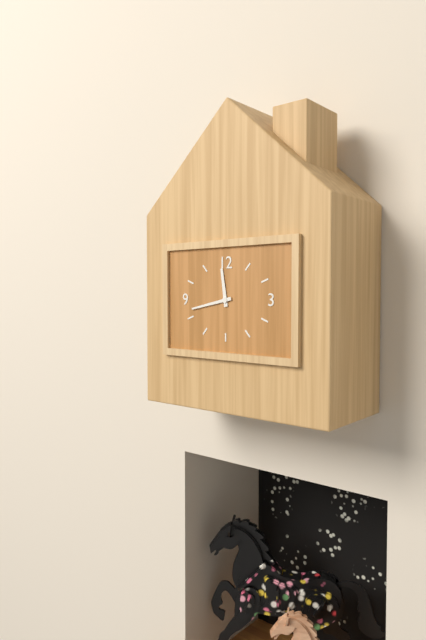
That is 11.43
